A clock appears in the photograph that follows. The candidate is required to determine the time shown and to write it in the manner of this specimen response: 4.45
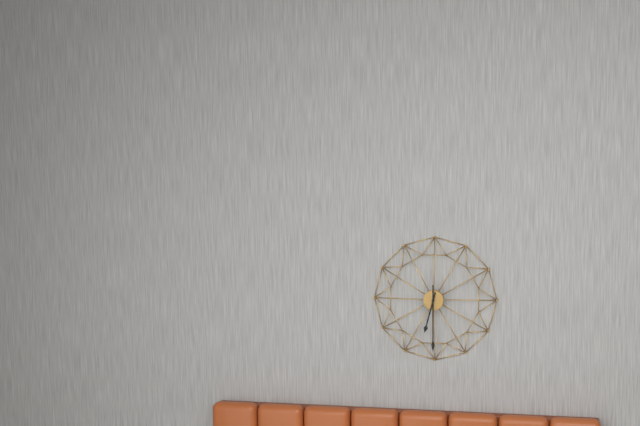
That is 6.30
